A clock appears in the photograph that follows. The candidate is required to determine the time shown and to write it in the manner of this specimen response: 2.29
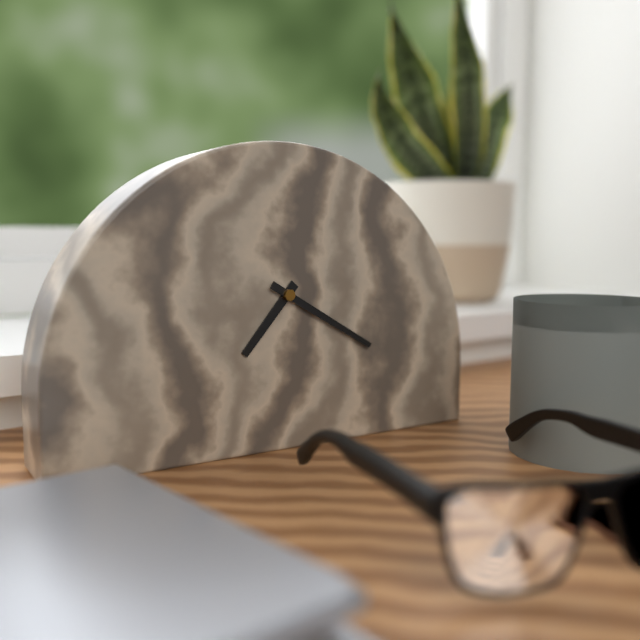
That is 7.20
